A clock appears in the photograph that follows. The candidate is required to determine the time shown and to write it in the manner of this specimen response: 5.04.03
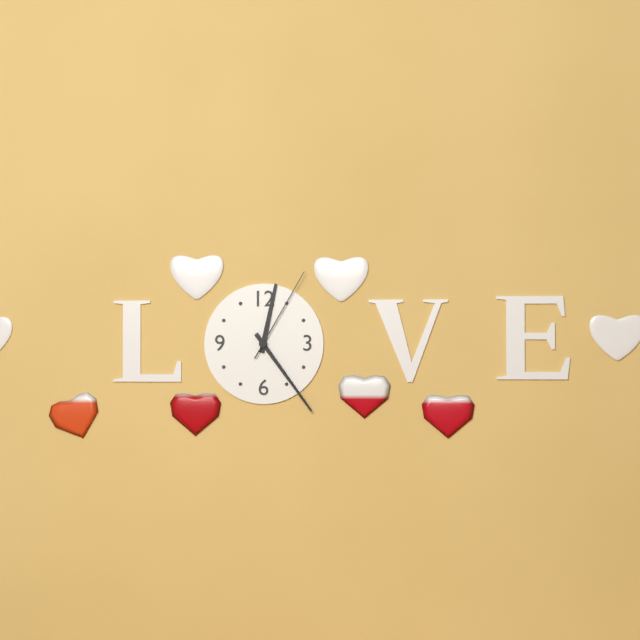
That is 12.24.05
